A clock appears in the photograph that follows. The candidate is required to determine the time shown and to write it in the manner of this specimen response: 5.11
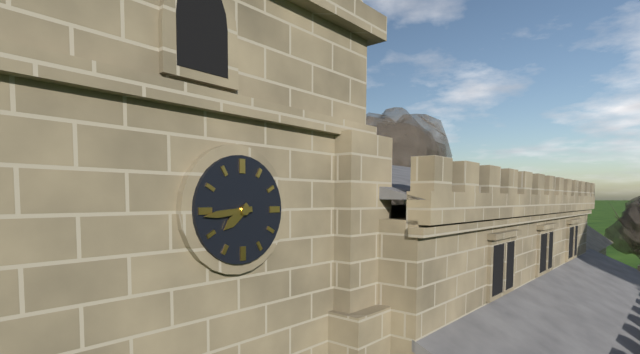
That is 7.44
